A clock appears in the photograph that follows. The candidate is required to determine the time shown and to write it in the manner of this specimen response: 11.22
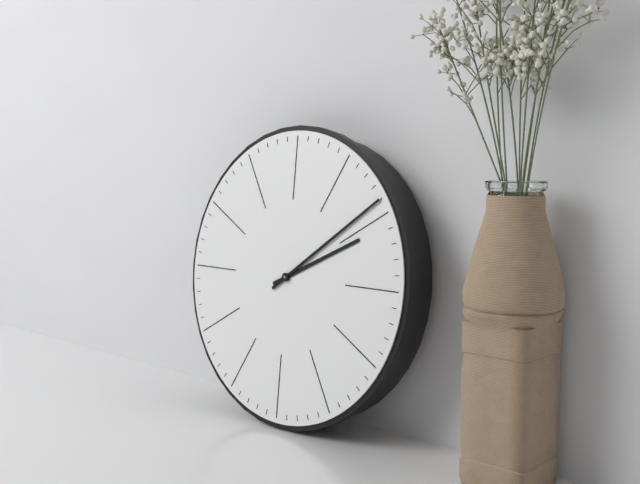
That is 2.09
